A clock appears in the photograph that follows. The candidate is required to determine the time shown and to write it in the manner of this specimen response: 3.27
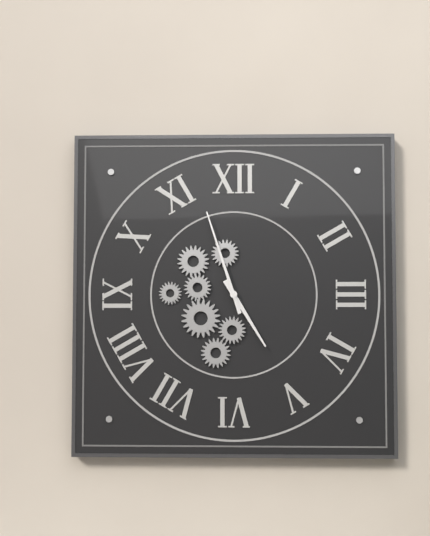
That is 4.57
